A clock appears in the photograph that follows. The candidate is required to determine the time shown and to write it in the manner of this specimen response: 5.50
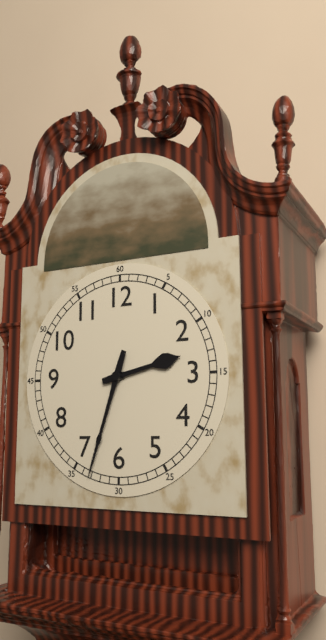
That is 2.33
